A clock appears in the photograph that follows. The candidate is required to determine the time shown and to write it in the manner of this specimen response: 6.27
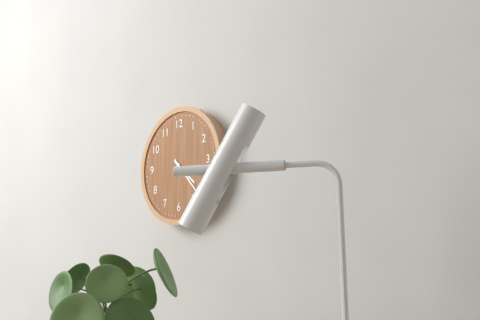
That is 4.23
